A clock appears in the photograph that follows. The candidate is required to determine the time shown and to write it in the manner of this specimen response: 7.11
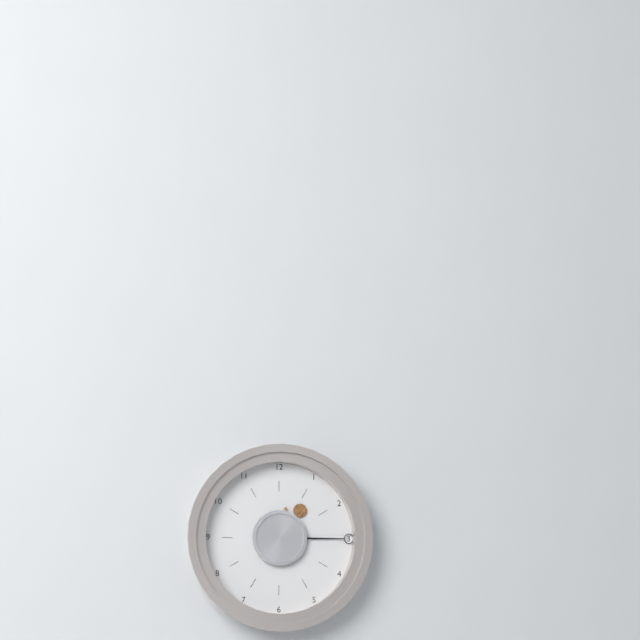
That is 1.15
